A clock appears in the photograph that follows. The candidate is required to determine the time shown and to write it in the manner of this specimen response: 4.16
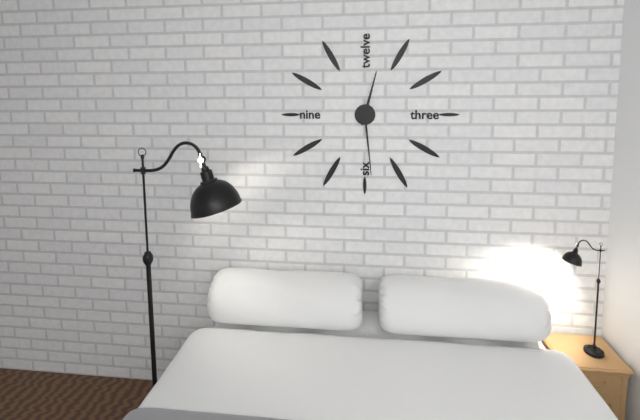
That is 12.29
